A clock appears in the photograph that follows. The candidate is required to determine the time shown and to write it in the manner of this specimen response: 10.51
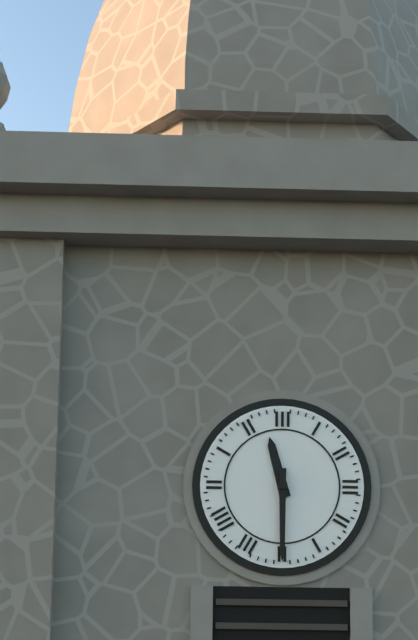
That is 11.30
